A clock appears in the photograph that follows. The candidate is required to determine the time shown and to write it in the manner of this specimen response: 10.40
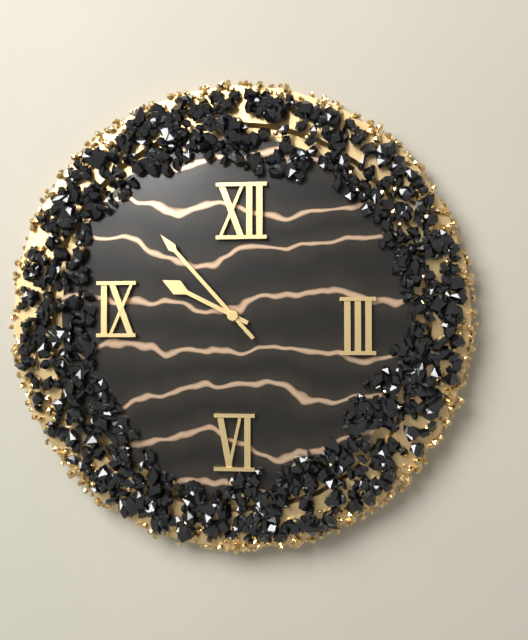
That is 9.53
